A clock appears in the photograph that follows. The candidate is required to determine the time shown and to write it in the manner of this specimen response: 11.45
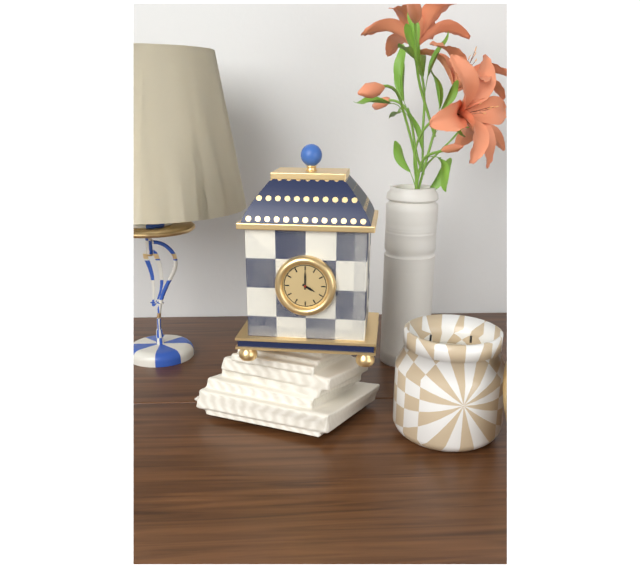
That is 4.00
